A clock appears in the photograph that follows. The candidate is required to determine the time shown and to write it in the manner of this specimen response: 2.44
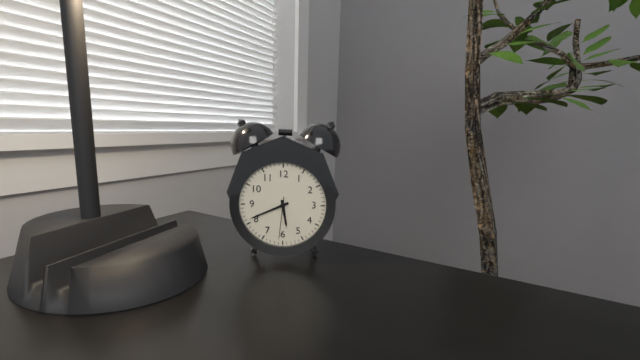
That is 5.41
